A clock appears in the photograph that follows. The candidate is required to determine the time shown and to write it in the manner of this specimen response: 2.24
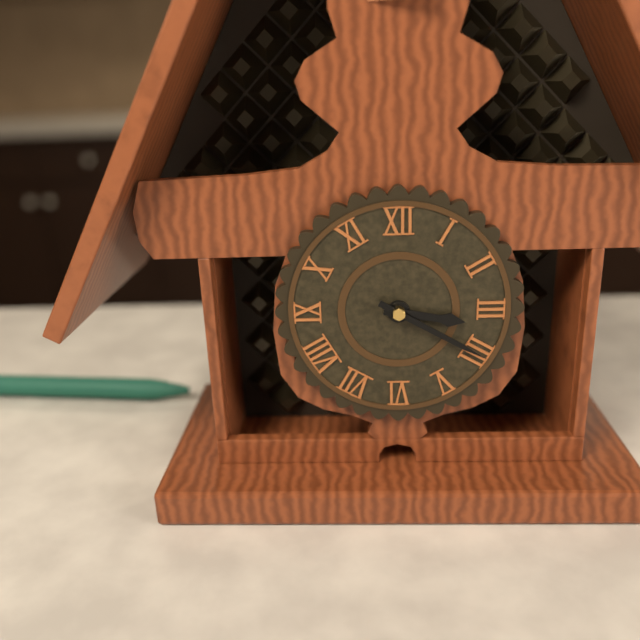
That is 3.20
